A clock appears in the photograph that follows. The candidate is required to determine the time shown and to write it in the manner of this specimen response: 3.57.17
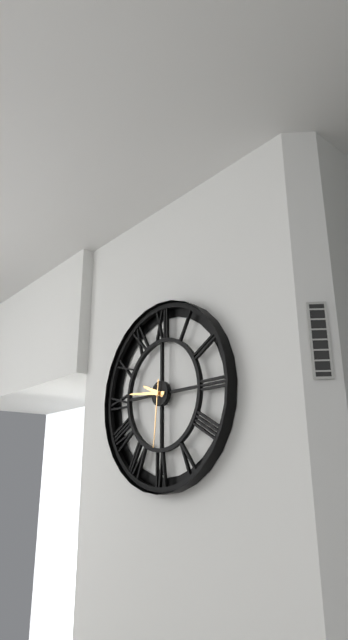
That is 9.46.31
